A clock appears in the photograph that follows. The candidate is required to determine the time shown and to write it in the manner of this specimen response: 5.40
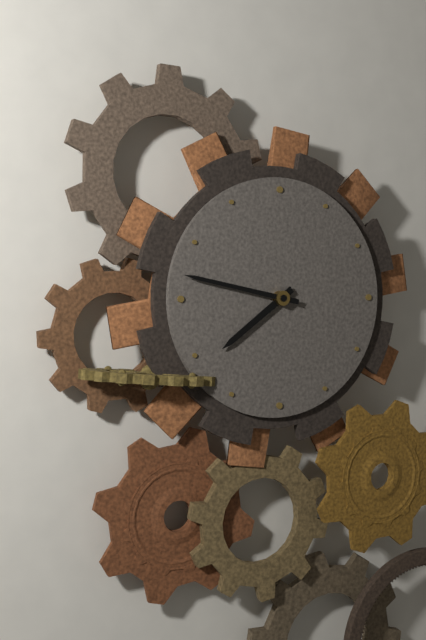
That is 7.47
